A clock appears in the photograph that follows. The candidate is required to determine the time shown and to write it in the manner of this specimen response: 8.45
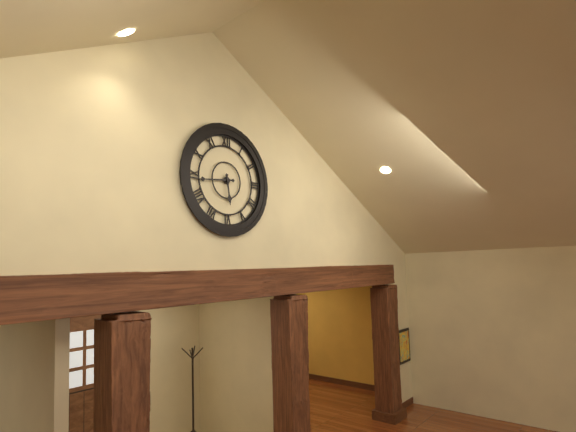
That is 5.44
